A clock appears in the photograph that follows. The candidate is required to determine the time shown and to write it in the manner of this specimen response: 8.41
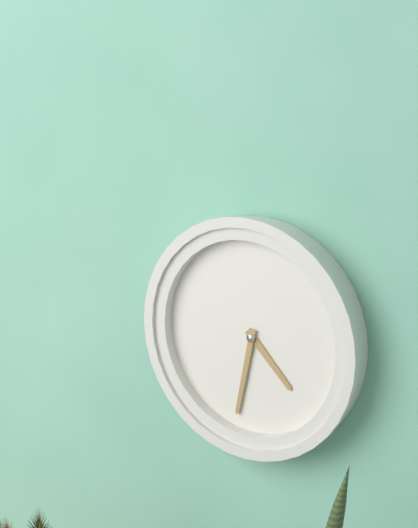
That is 4.32
